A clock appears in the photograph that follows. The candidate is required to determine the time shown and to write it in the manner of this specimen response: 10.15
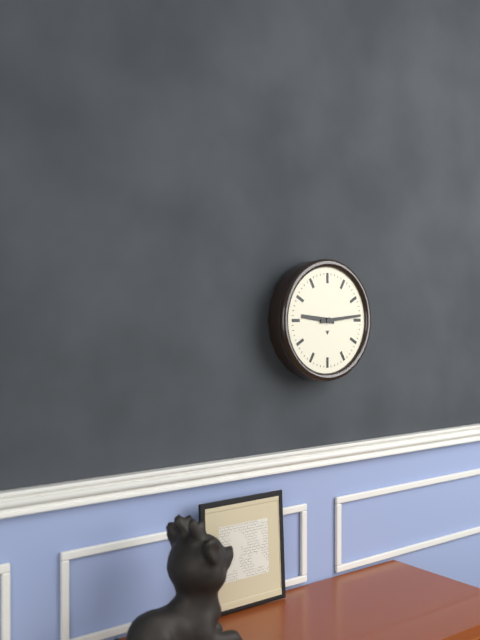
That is 9.14
